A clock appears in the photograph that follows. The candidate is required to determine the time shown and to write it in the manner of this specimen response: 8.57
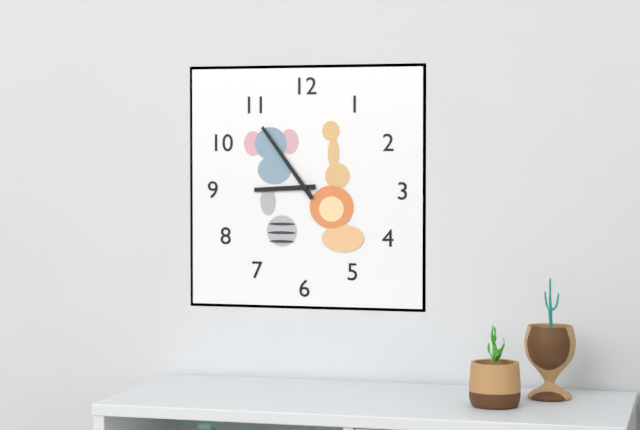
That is 8.54
